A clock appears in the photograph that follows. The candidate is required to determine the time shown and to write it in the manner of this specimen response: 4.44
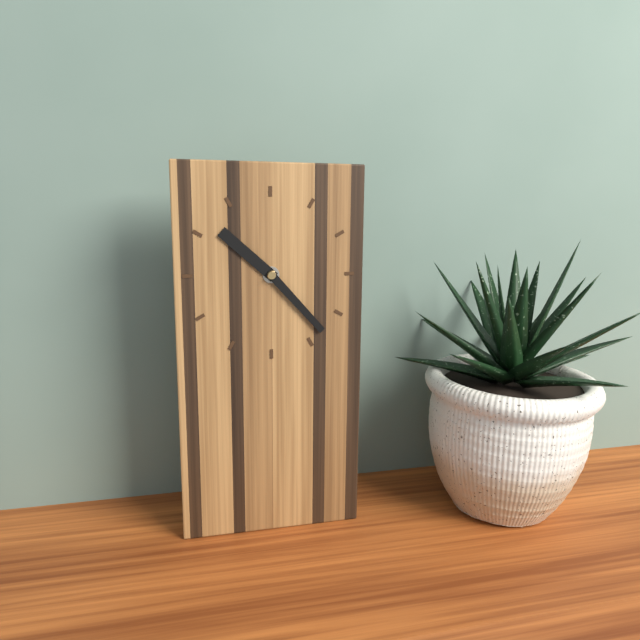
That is 10.23
